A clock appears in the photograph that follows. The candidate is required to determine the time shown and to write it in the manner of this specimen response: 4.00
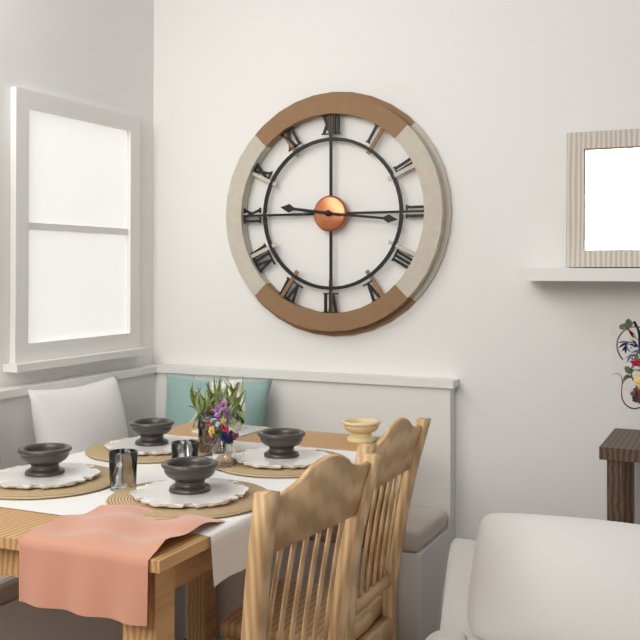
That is 9.16
